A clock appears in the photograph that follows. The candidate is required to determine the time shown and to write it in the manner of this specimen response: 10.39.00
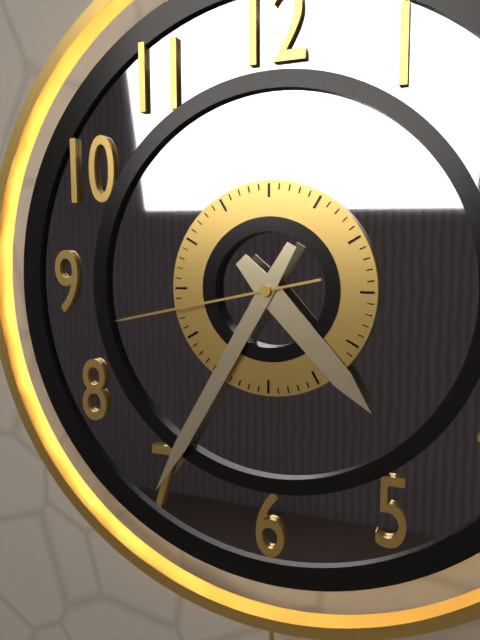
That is 4.35.43
